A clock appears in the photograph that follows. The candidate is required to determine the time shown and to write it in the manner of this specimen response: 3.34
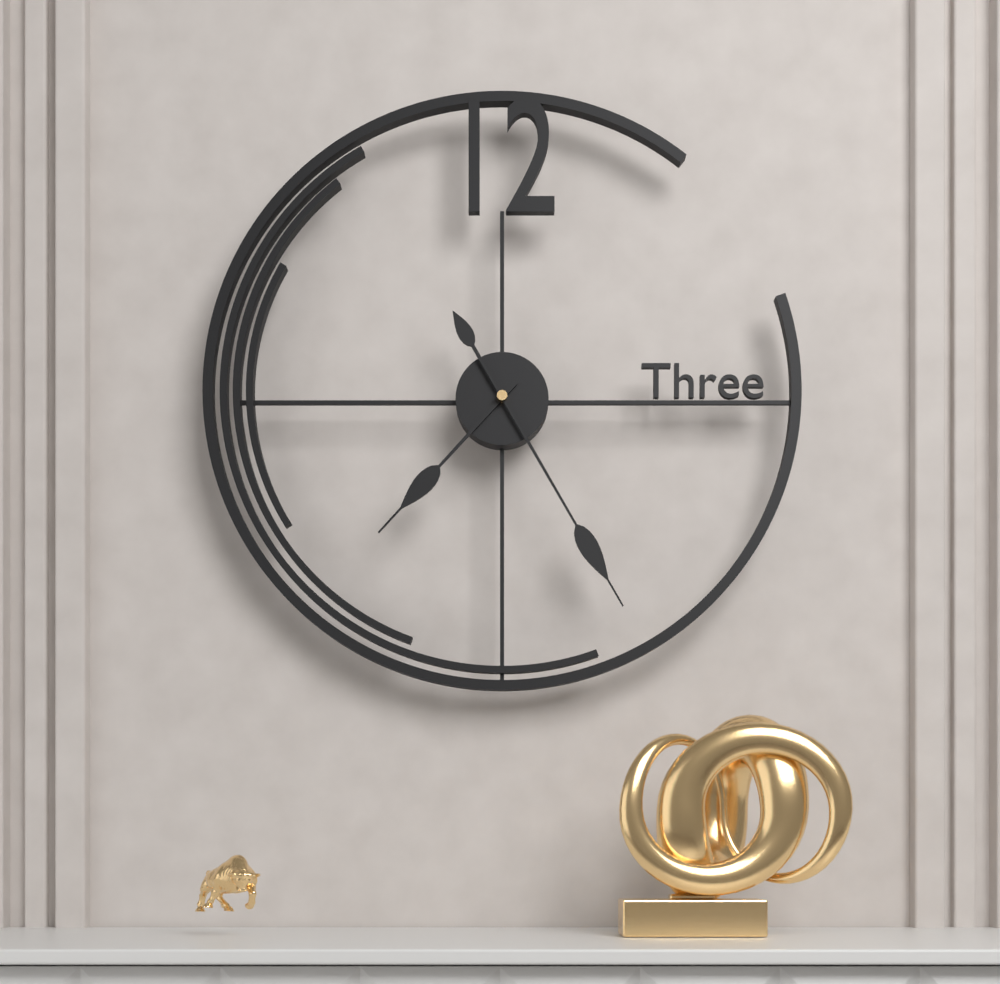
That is 7.25
